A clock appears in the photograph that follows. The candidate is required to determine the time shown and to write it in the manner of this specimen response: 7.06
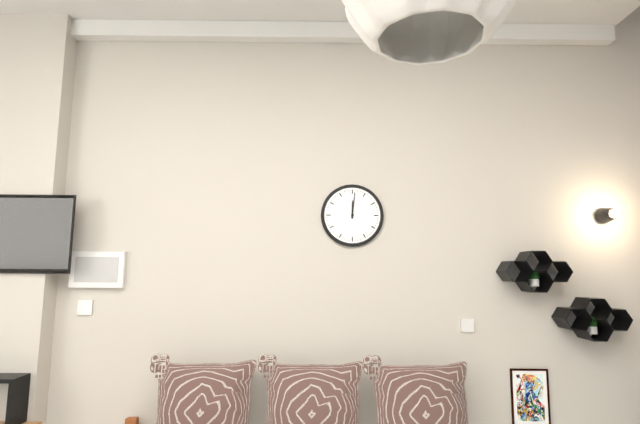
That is 12.01
